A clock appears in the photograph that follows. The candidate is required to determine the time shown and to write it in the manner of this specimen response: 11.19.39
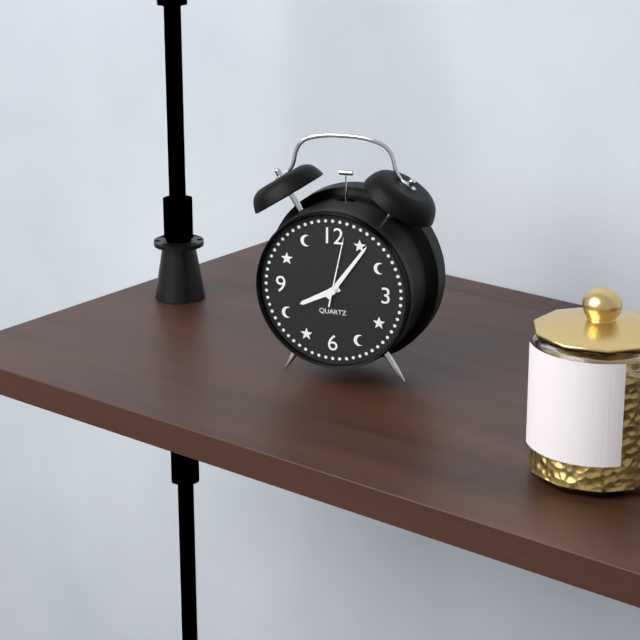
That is 8.06.02
